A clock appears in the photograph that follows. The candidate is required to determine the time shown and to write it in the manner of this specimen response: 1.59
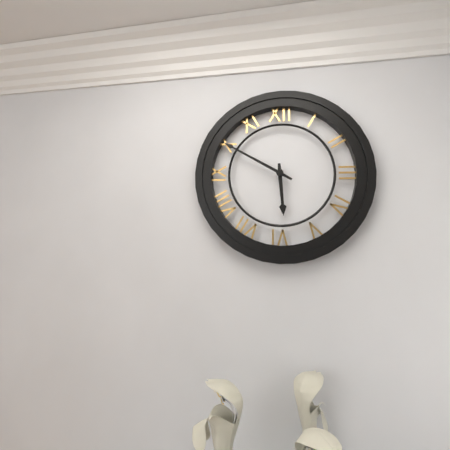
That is 5.50
